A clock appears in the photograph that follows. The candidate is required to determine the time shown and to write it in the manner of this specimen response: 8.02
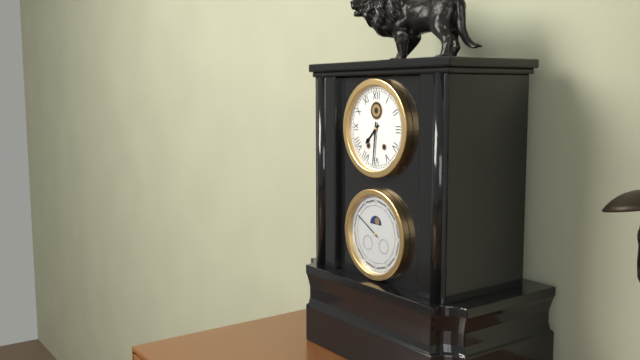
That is 7.31
